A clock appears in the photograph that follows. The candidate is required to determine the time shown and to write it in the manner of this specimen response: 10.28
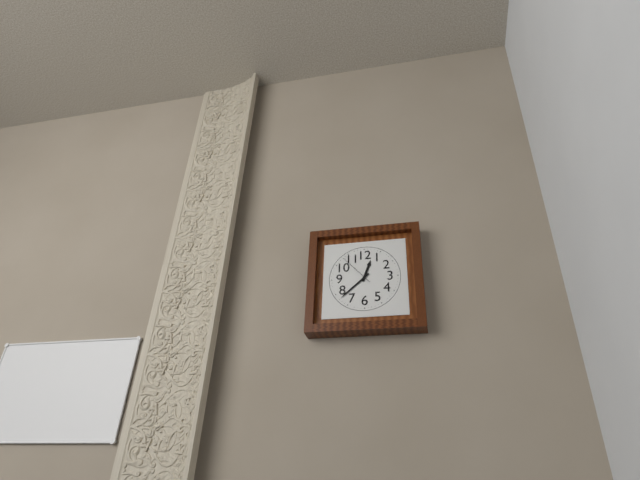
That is 12.38
